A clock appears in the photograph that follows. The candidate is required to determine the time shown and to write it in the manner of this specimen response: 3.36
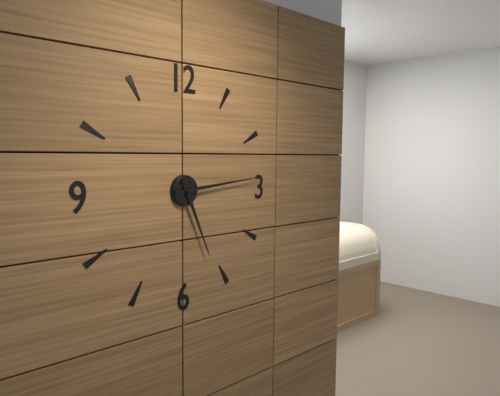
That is 5.14
